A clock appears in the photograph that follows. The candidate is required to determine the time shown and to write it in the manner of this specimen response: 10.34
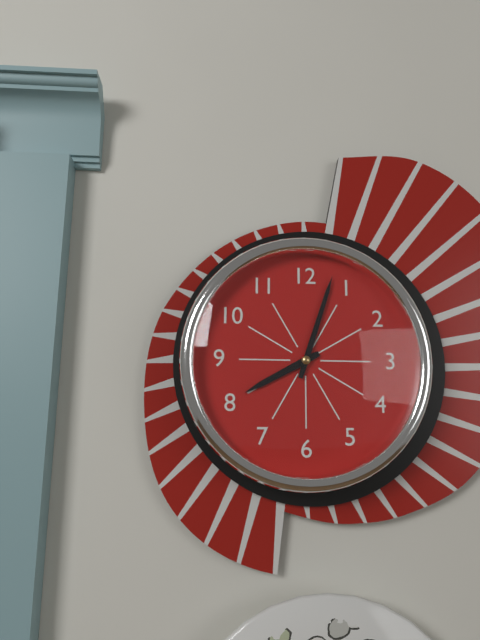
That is 8.03
